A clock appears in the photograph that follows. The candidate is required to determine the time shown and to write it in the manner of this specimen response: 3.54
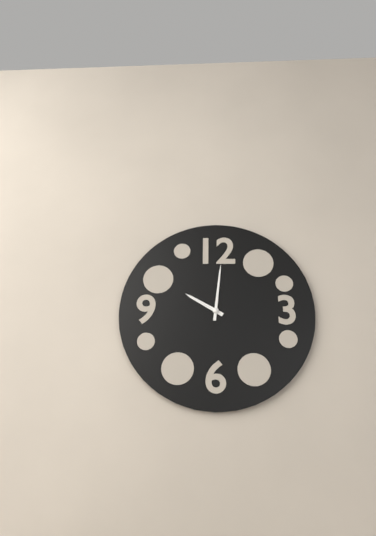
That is 10.01
